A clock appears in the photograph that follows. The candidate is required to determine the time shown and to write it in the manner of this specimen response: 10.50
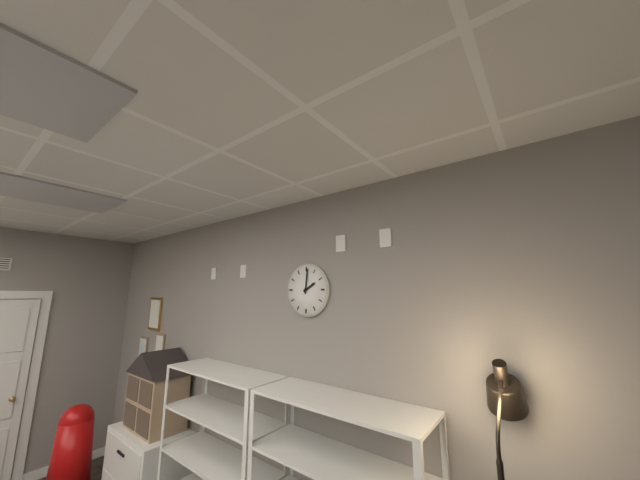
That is 2.01
